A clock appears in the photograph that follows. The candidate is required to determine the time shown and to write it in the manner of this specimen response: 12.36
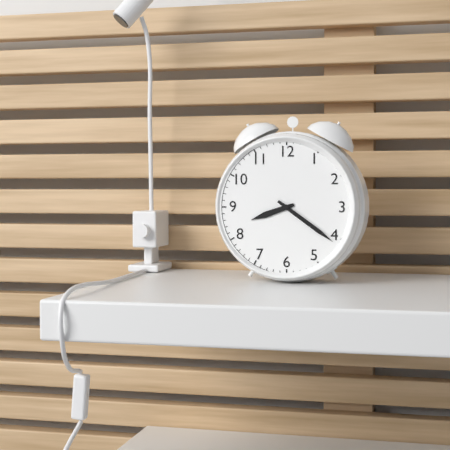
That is 8.21
